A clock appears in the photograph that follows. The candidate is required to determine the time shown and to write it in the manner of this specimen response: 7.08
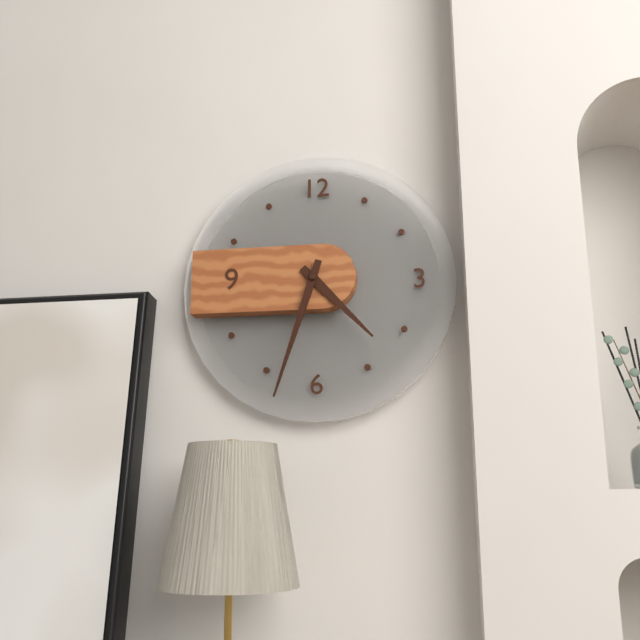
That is 4.33
